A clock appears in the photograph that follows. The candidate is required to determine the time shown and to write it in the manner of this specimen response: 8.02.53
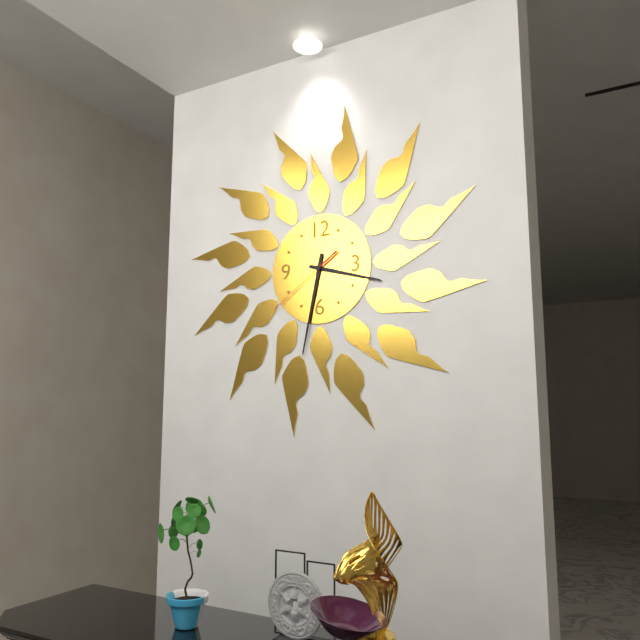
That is 3.32.39
